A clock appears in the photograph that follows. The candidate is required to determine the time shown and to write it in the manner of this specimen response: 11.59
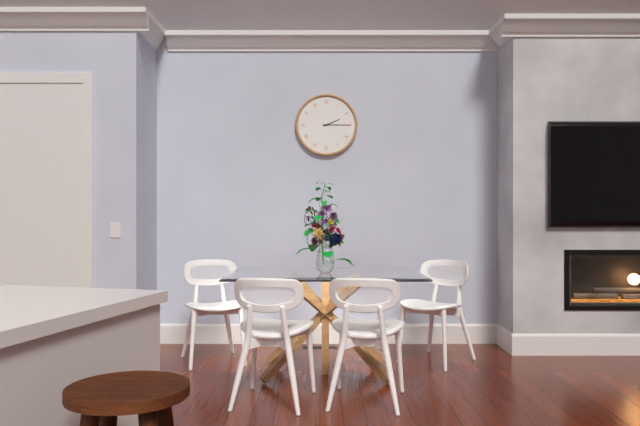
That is 2.15
